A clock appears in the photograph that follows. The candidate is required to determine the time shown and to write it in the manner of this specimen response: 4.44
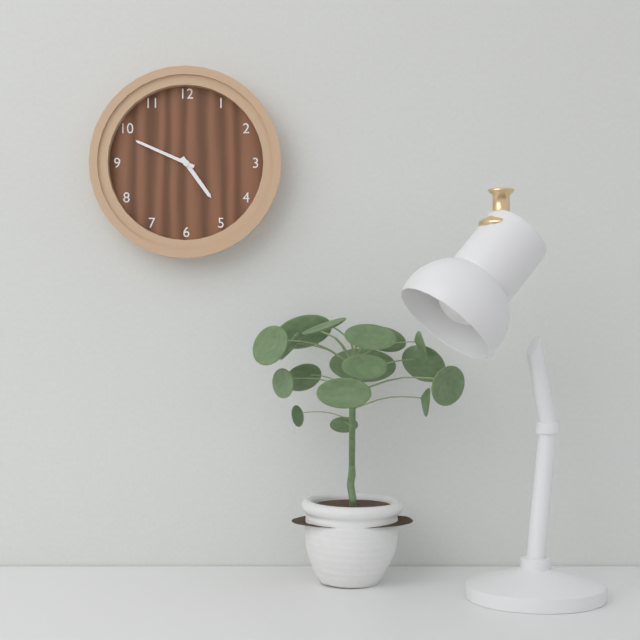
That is 4.49
